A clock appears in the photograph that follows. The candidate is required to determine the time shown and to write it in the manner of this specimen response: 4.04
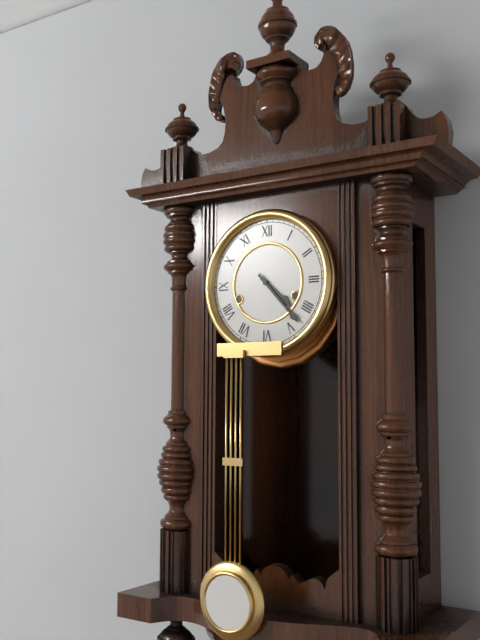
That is 4.23
